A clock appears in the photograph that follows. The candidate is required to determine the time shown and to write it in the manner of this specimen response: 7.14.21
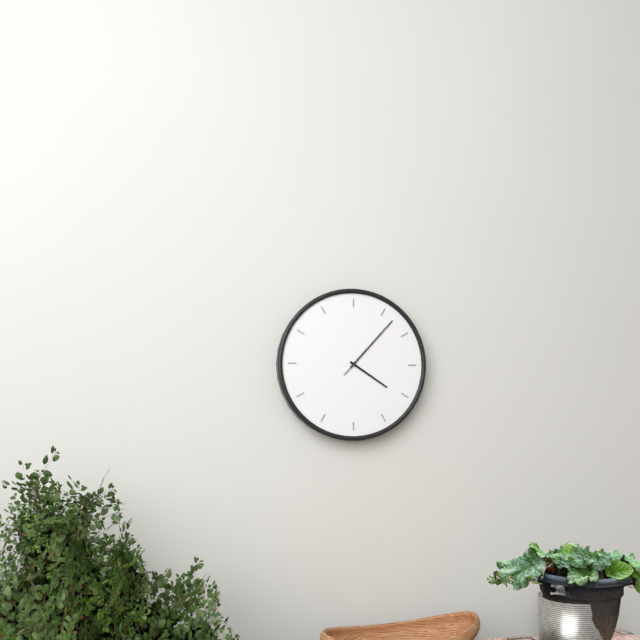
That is 4.07.07
